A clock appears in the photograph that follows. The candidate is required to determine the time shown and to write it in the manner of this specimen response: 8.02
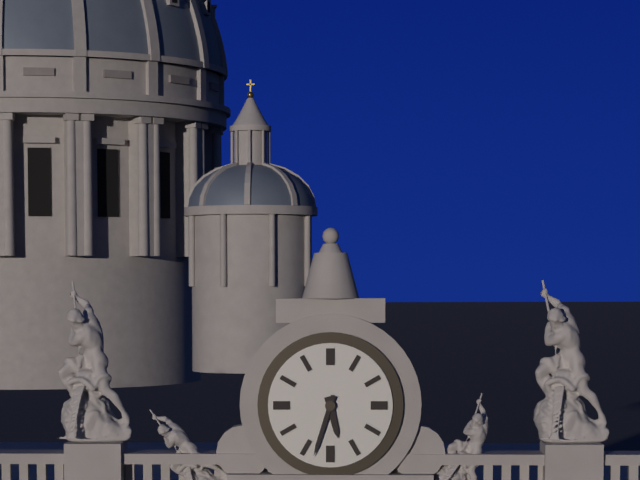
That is 5.33
